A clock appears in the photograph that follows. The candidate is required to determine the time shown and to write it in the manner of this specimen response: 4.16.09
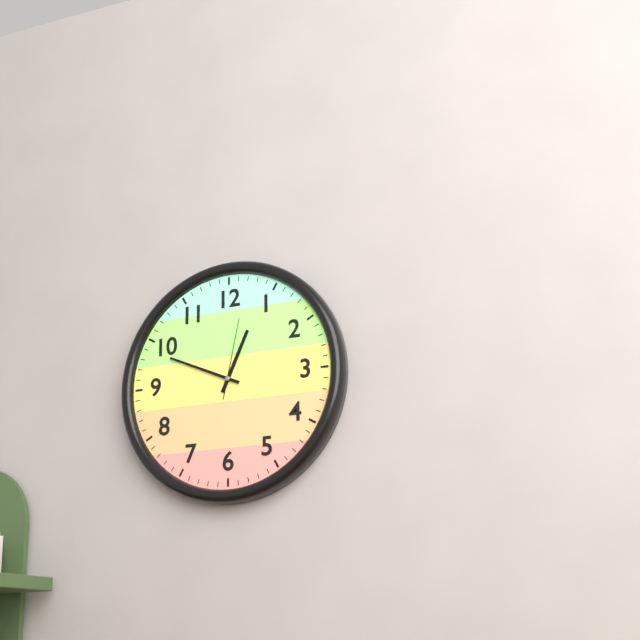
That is 12.49.02
